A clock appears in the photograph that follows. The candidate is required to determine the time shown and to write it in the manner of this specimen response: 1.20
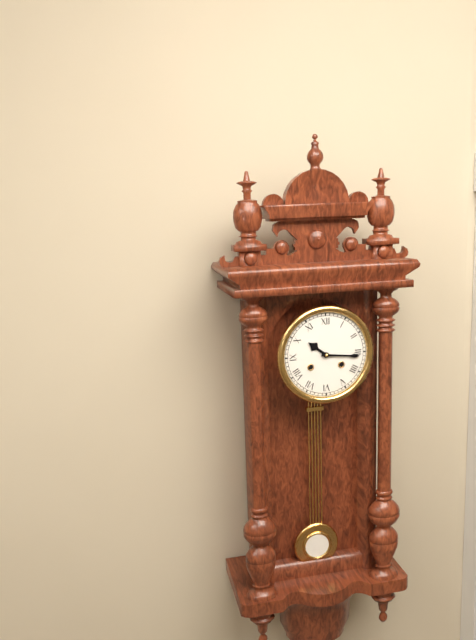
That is 10.16
